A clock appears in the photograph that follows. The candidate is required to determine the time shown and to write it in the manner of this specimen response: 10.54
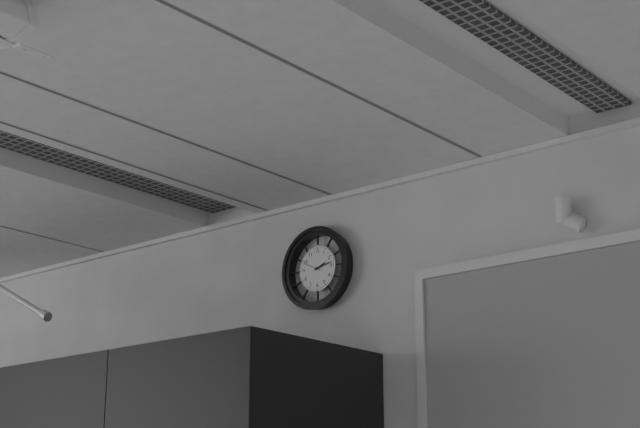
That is 2.13
